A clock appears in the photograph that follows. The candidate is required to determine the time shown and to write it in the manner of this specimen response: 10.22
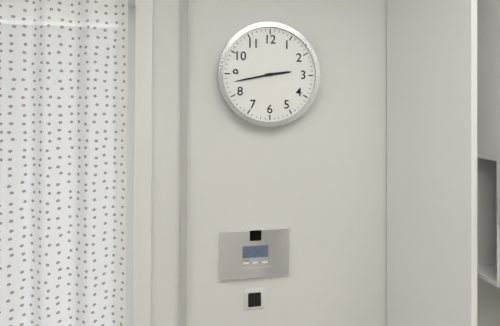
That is 2.43
